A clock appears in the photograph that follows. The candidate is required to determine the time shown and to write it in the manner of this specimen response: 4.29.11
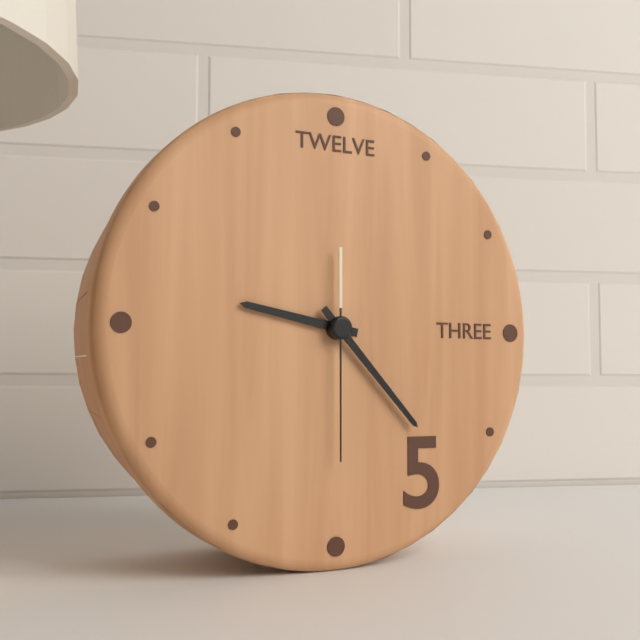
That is 9.23.30
